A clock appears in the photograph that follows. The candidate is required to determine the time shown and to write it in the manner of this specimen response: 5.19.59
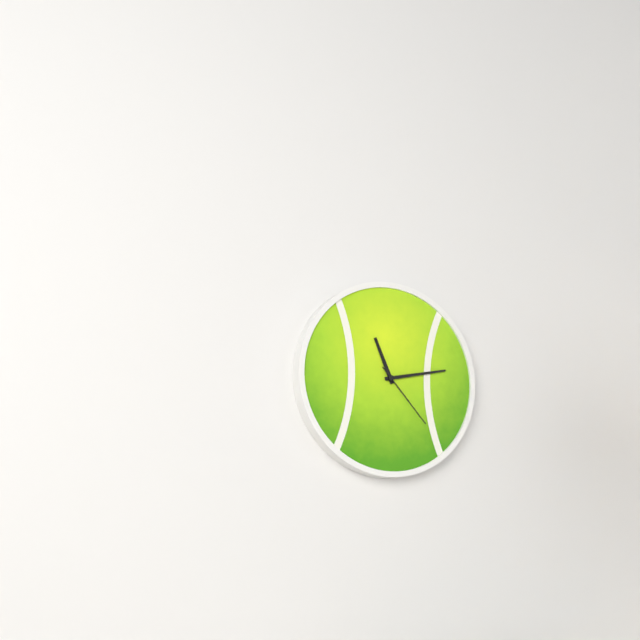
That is 11.13.23
